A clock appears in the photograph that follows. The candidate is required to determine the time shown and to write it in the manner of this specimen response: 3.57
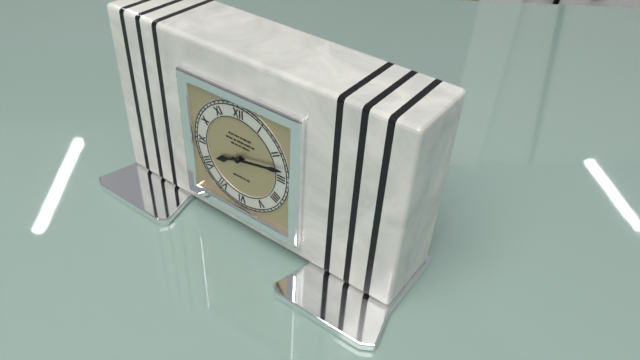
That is 8.13
